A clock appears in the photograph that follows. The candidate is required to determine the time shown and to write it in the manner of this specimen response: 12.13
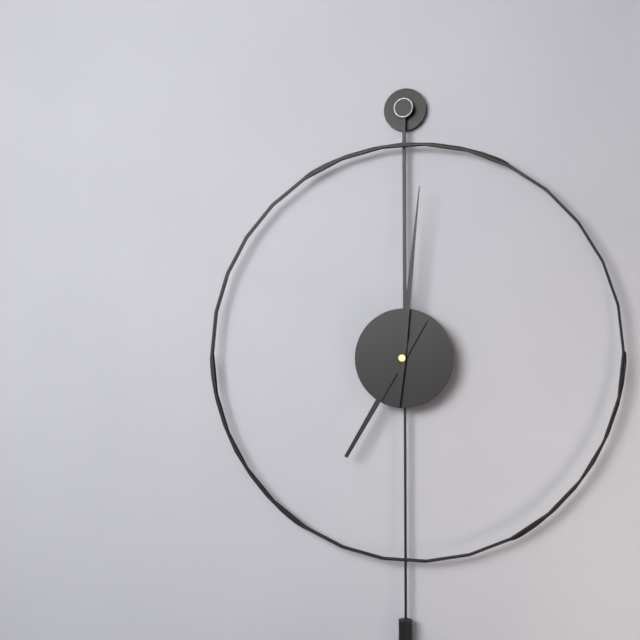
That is 7.01
